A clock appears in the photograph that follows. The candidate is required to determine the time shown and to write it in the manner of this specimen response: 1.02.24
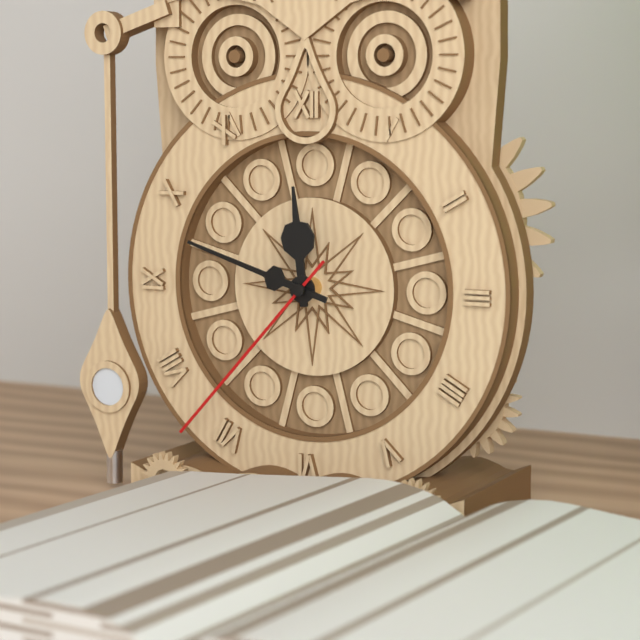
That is 11.48.37
